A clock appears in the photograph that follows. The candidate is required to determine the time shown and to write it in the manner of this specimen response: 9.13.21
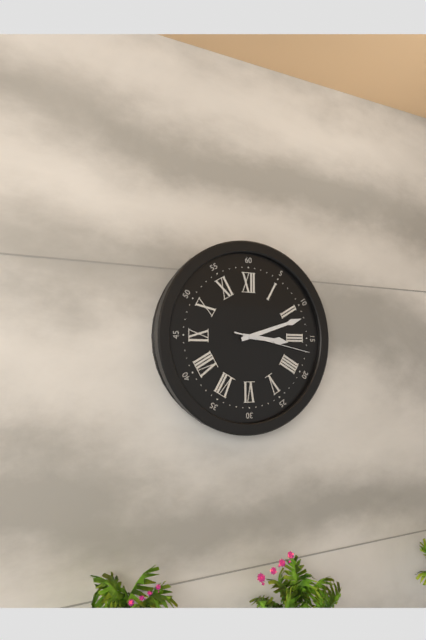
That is 3.12.17
